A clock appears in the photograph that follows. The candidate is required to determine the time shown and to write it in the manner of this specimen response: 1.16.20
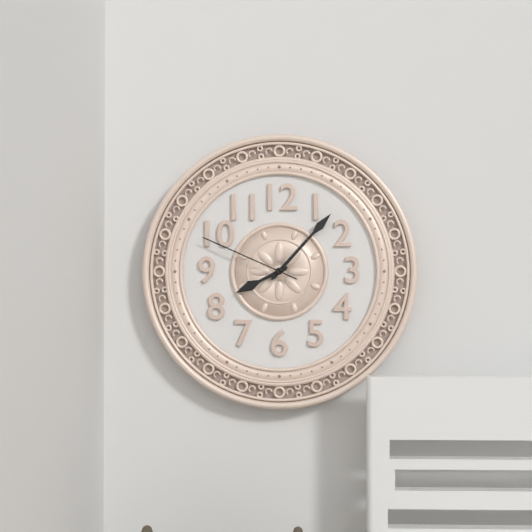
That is 8.07.49
